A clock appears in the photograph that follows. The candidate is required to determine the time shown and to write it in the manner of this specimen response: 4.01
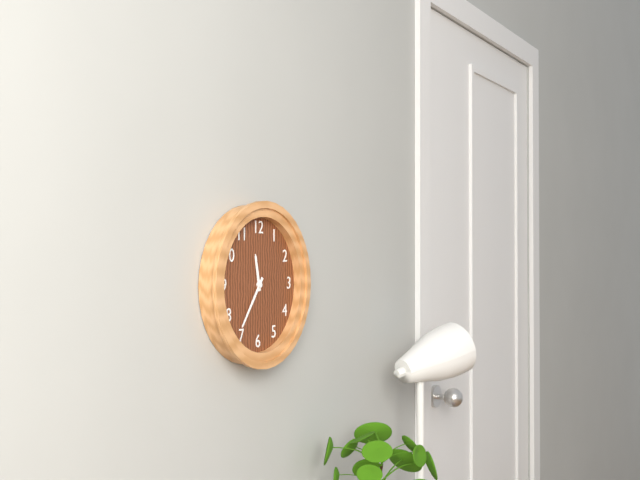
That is 11.36
